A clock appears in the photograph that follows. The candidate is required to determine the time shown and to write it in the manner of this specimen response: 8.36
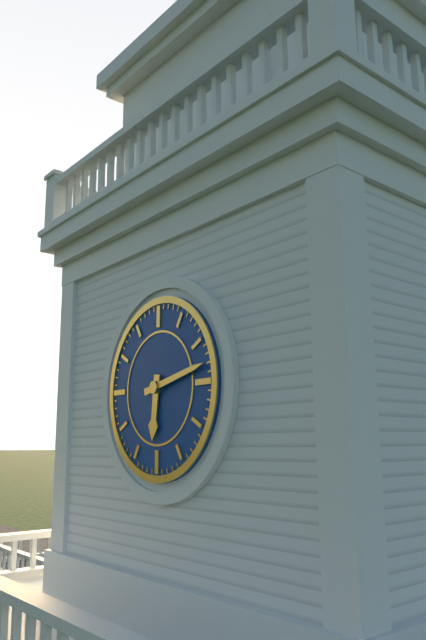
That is 6.13
